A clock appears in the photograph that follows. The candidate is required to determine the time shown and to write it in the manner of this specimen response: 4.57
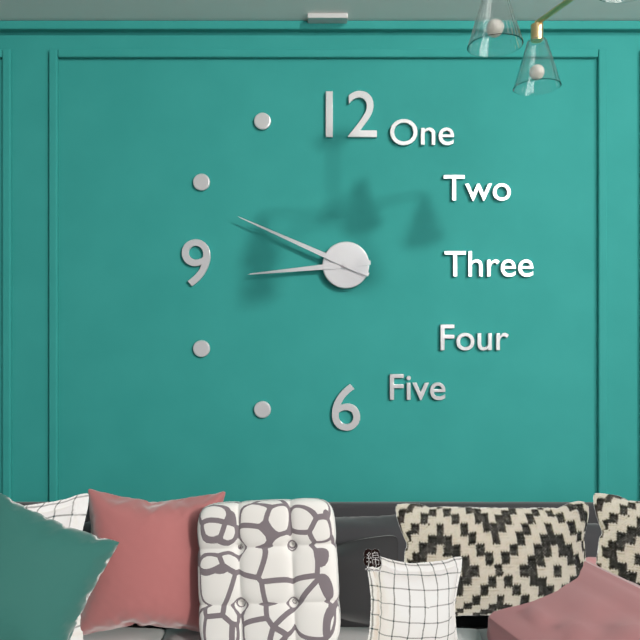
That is 8.49
